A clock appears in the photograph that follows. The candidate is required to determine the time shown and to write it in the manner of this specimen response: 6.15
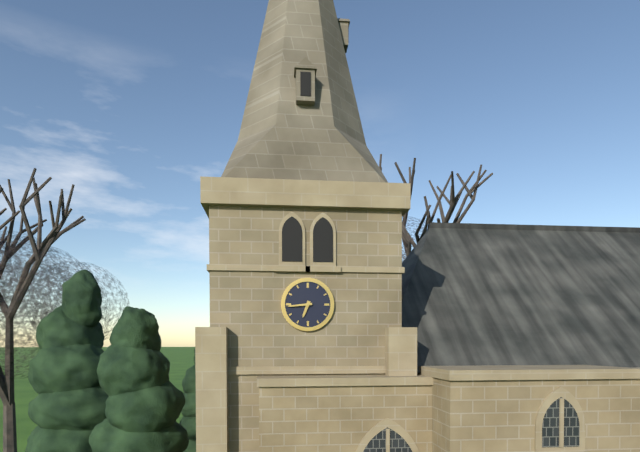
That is 6.44
